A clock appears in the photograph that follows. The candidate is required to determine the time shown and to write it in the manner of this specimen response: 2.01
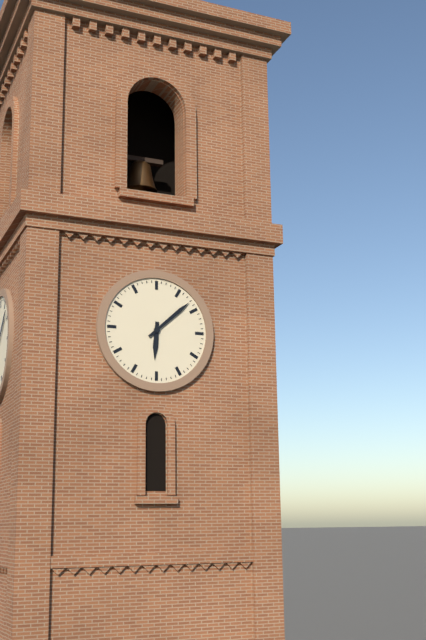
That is 6.08
